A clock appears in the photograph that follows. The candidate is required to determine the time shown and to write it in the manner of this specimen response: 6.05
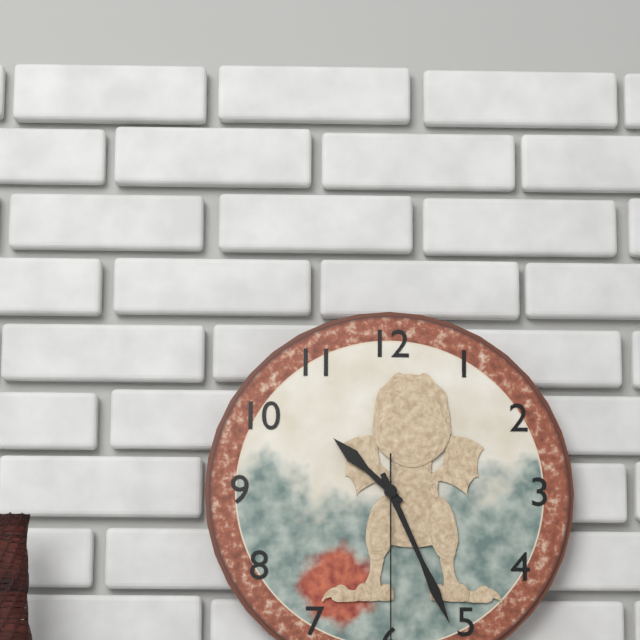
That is 10.26
